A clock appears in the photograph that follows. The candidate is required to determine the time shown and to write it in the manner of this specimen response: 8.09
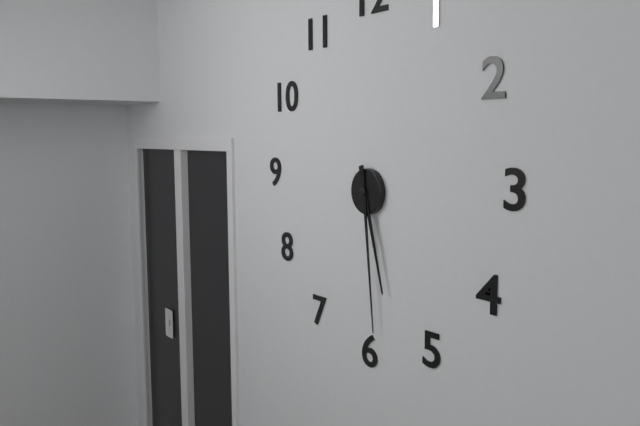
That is 5.29
